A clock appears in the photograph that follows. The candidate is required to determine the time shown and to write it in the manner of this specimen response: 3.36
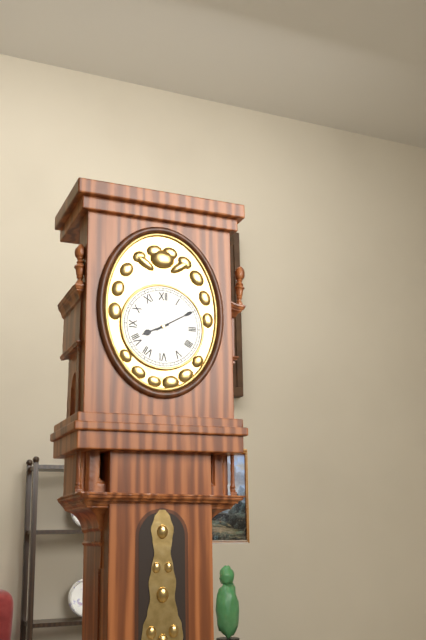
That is 8.10
